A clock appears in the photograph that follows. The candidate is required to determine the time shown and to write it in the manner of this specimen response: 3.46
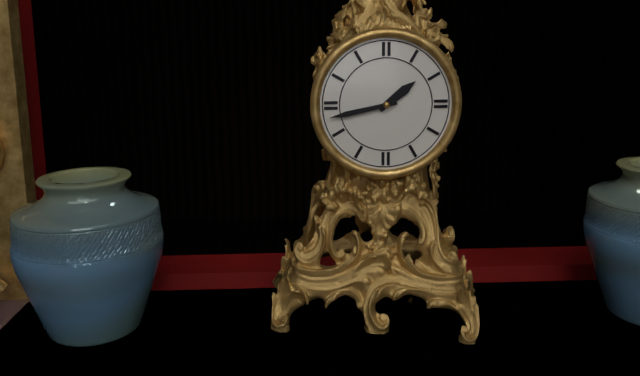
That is 1.43
